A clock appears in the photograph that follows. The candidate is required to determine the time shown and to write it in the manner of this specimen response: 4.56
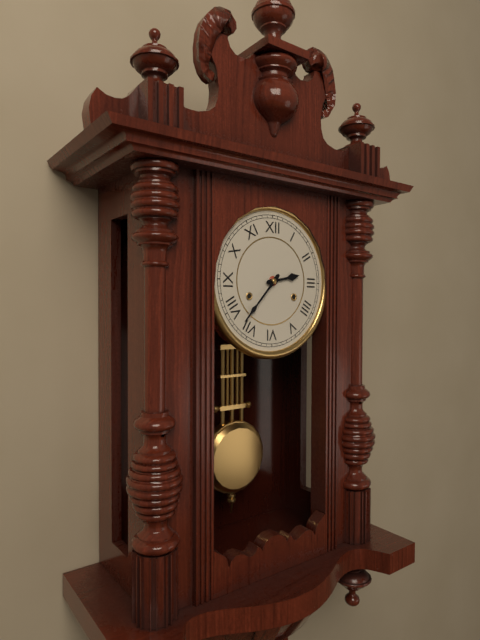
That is 2.37
